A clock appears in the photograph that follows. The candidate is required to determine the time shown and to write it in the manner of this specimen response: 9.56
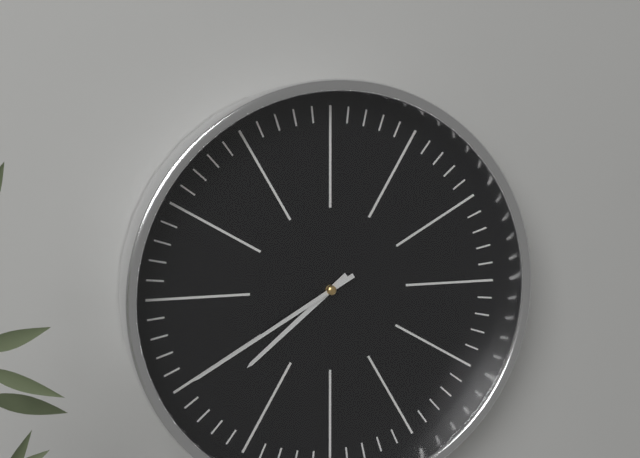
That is 7.40
